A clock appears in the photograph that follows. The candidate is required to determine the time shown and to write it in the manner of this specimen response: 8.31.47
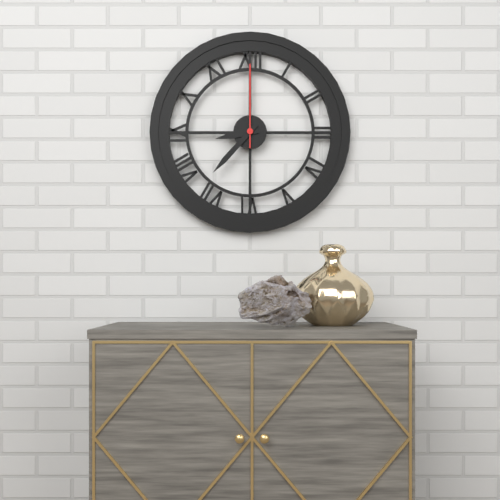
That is 8.37.00
